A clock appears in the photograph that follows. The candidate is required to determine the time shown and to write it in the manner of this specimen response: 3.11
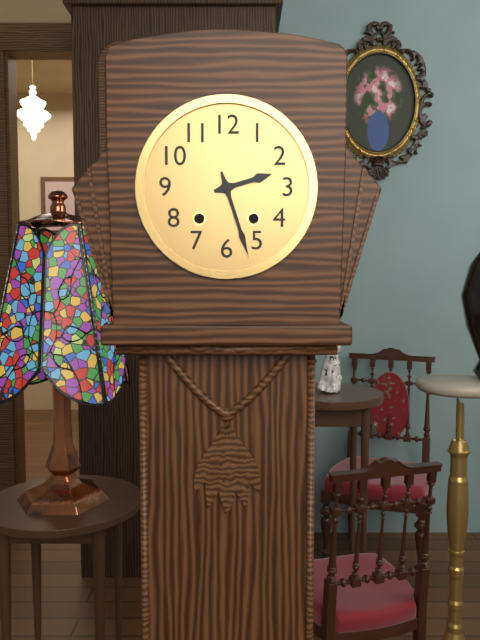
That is 2.27
